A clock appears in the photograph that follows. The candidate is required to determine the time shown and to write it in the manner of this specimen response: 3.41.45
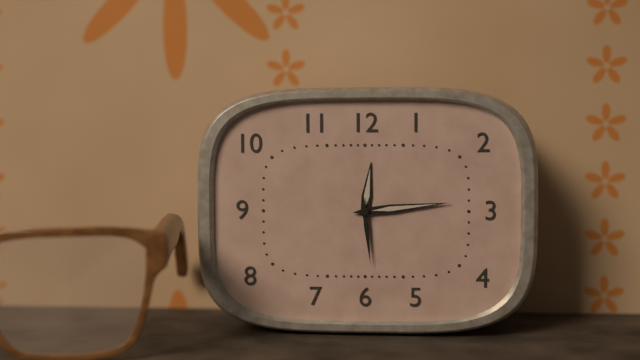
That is 12.14.29
